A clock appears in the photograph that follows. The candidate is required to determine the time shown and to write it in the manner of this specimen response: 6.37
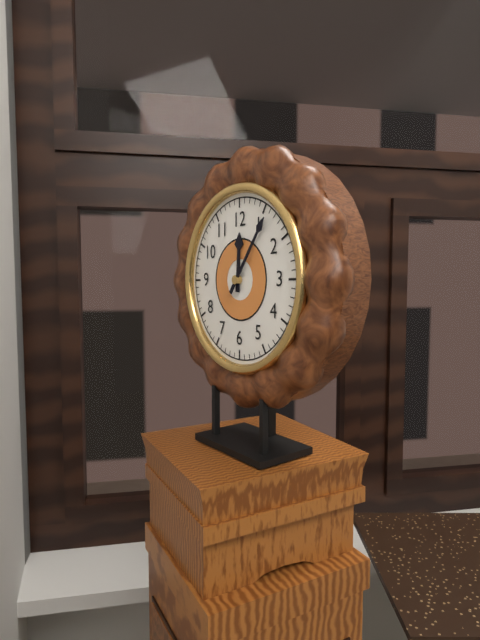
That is 12.06
